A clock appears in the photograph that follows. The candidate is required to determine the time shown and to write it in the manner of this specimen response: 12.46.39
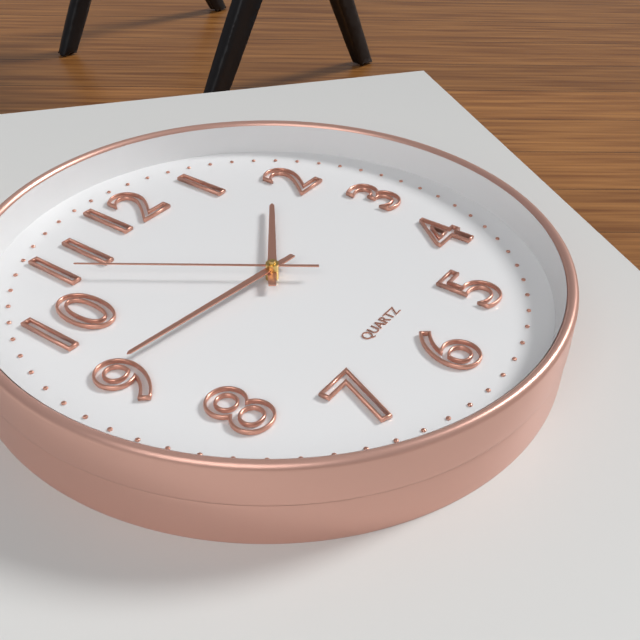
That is 1.46.54
